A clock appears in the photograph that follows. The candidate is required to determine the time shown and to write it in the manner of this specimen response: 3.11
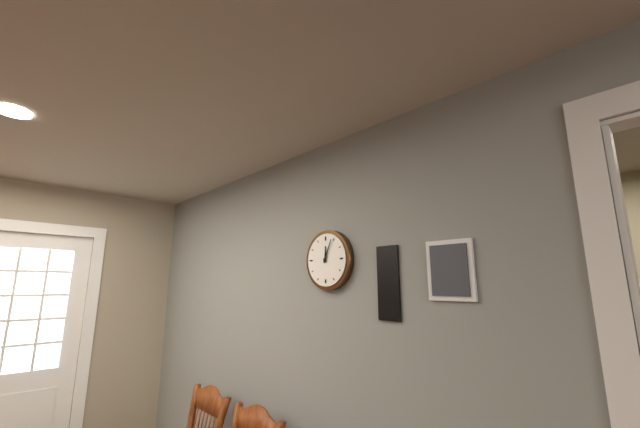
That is 12.04
